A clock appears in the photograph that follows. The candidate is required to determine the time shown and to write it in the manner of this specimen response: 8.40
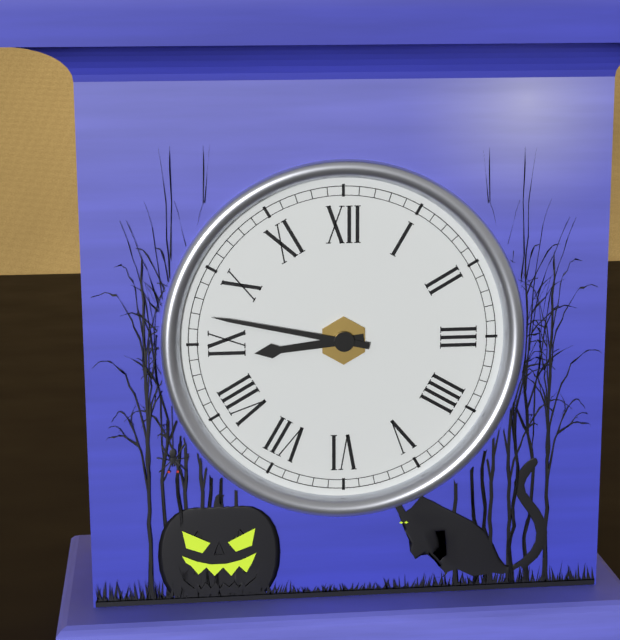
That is 8.47
